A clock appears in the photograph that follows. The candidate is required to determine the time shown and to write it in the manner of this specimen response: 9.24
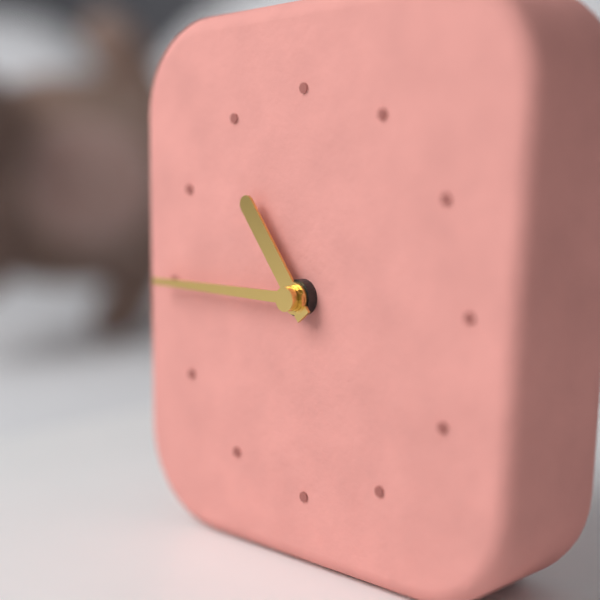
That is 10.45
